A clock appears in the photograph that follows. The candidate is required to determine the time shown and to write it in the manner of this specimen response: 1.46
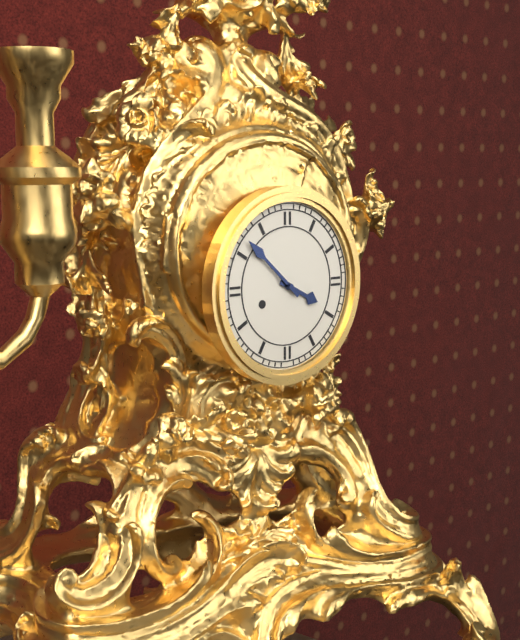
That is 3.52
